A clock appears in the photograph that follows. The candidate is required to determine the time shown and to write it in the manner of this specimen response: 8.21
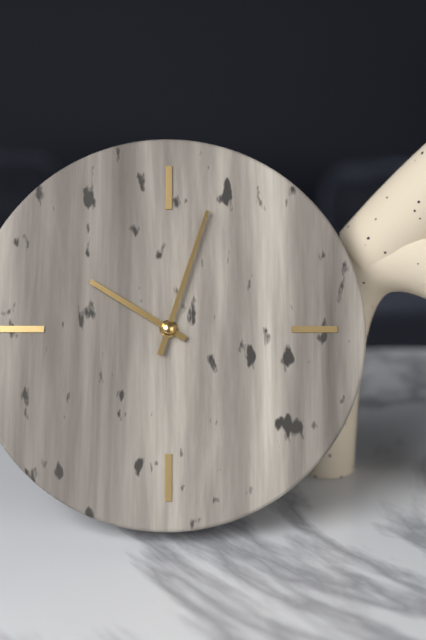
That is 10.03
